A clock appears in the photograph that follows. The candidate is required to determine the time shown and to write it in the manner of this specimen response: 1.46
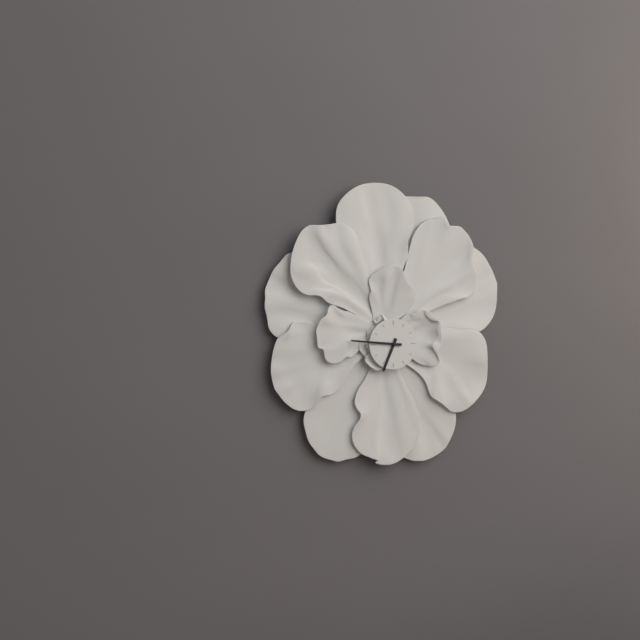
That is 6.46
